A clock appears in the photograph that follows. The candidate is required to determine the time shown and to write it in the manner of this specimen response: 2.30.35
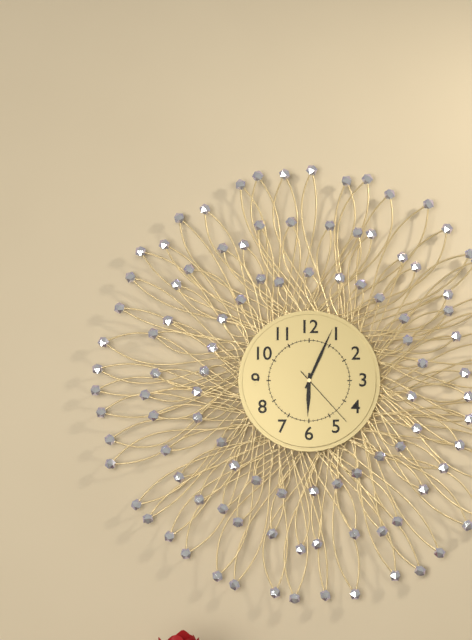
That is 6.04.23
